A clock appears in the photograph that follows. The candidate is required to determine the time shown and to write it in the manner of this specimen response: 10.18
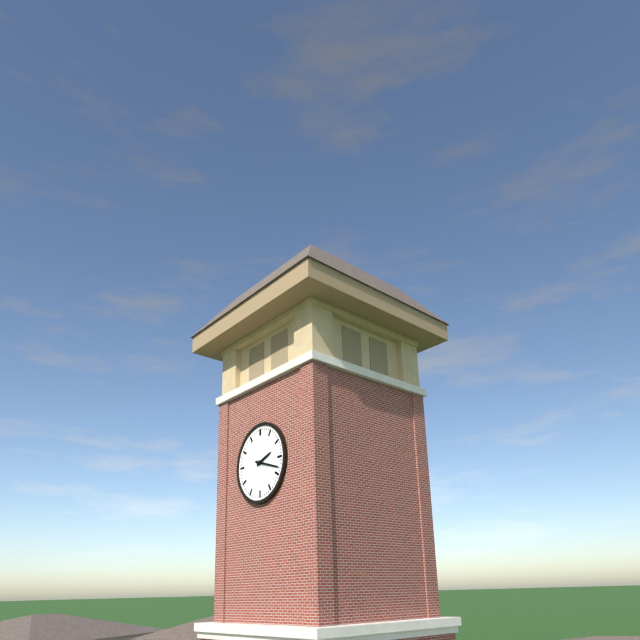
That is 2.18
